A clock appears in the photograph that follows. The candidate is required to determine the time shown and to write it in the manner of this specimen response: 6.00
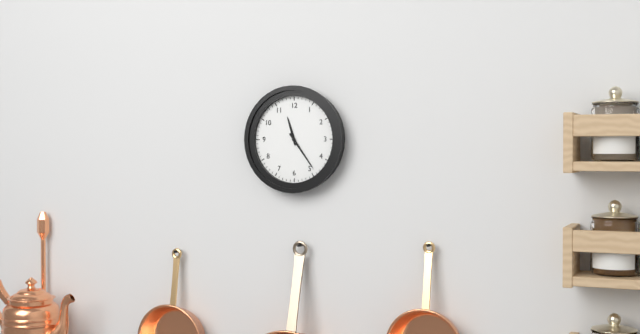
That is 11.24
